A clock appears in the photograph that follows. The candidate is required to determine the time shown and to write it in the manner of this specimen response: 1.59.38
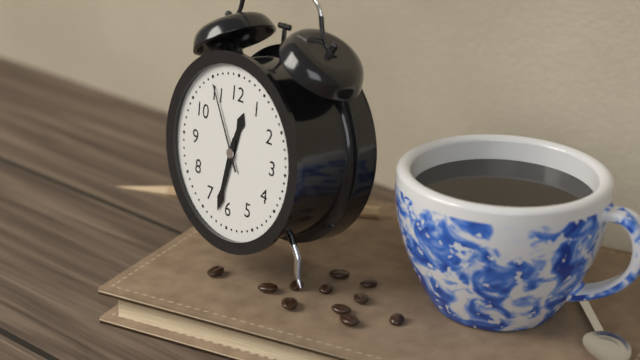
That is 12.32.55
